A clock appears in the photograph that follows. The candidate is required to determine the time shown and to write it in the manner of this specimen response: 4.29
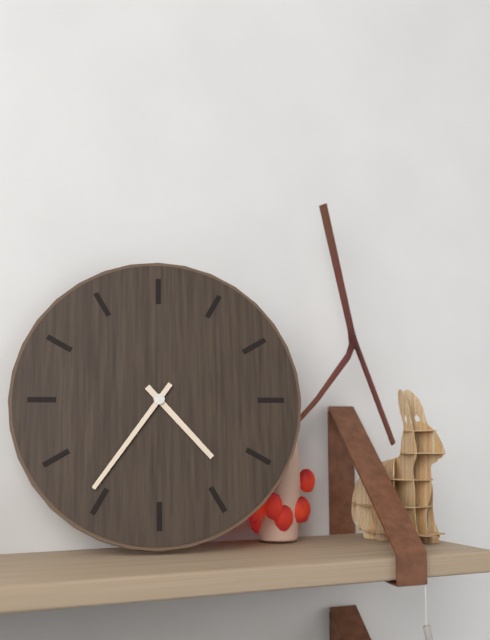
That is 4.36
